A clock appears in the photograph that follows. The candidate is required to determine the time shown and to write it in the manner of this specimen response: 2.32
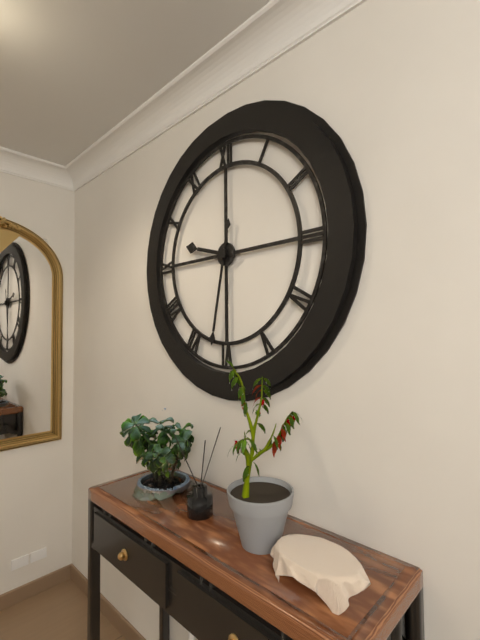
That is 9.32
